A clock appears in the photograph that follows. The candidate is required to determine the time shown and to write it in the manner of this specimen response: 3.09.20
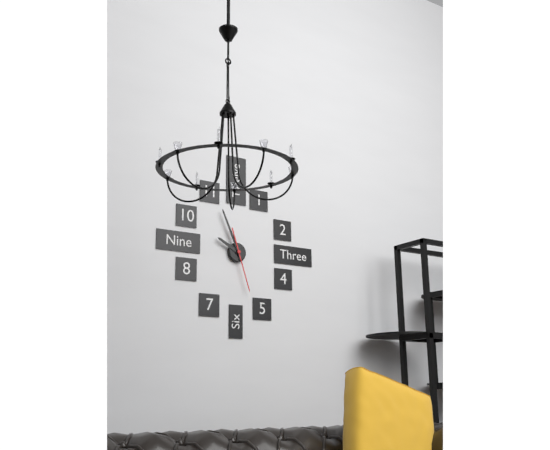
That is 9.56.27
